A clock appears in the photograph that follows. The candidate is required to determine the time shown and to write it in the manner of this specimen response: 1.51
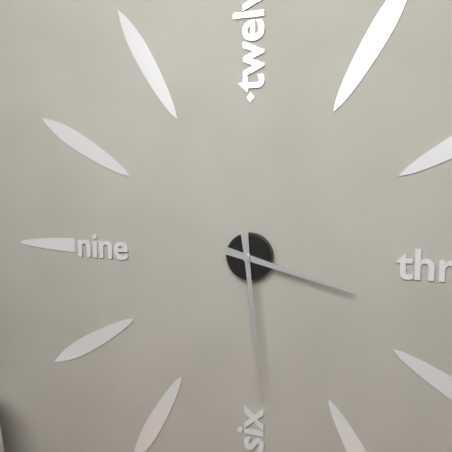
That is 3.29
